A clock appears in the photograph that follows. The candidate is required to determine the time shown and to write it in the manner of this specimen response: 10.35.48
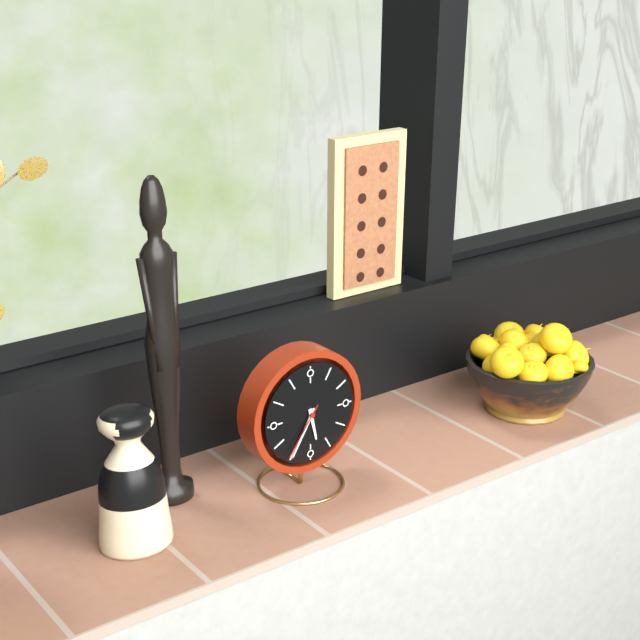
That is 5.35.36
